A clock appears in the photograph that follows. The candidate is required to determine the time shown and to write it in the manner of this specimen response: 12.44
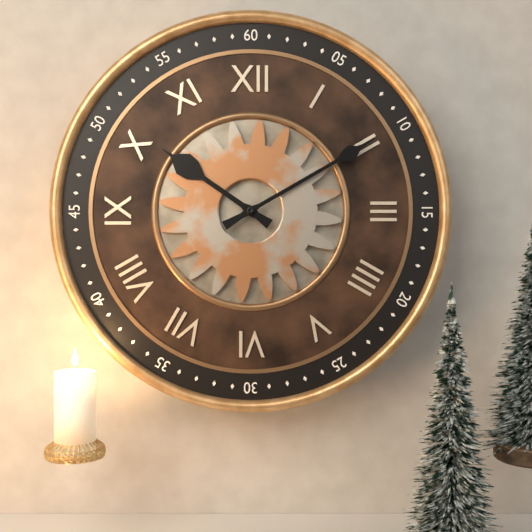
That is 10.10
